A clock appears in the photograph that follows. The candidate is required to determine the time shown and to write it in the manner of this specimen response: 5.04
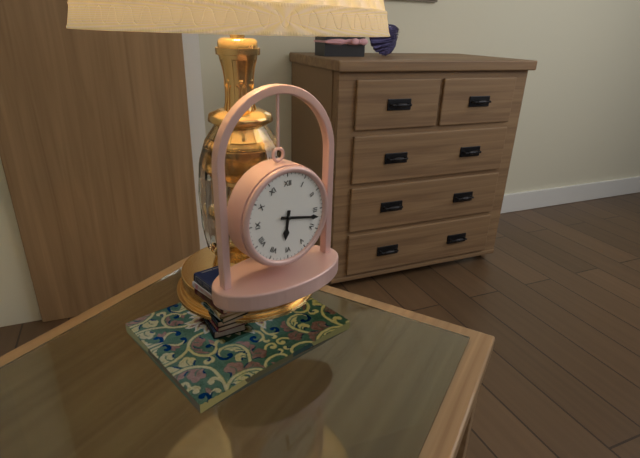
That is 6.17
